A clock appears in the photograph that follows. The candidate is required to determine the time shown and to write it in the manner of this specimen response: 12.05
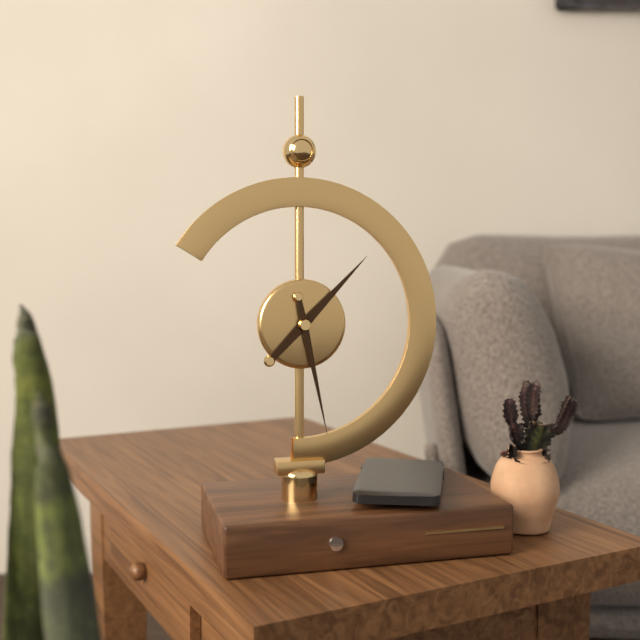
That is 1.28
